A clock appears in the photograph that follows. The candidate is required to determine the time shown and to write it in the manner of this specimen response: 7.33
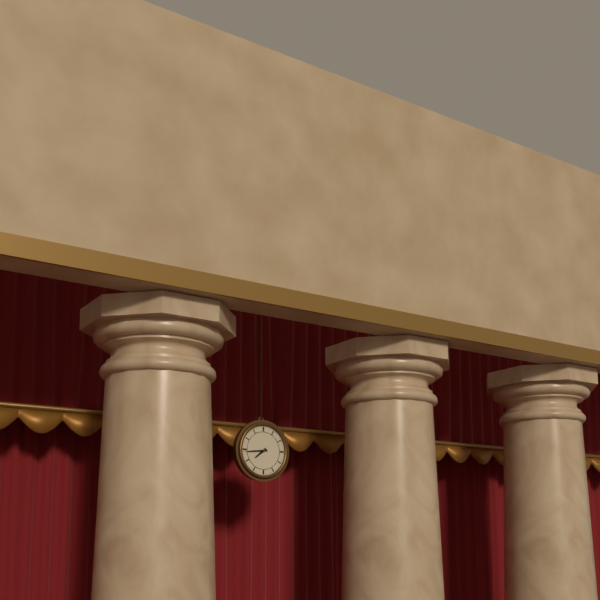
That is 7.44
